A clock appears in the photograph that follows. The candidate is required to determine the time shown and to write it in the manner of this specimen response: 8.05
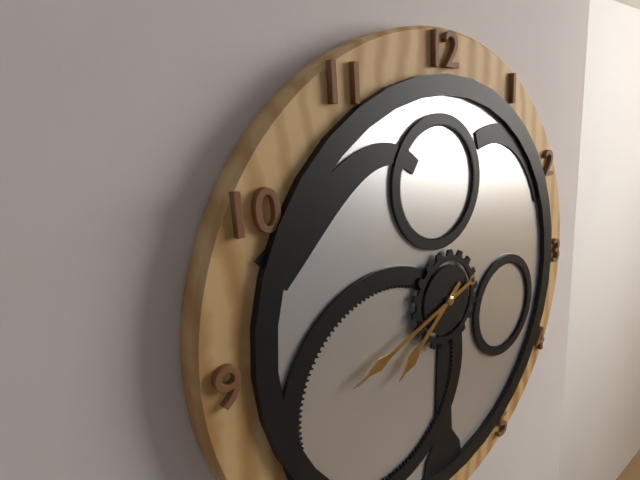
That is 7.42
